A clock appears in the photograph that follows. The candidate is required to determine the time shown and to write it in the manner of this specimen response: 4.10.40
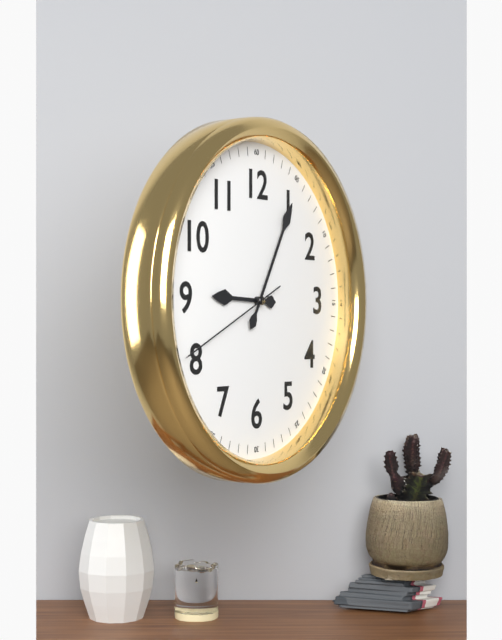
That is 9.05.41
